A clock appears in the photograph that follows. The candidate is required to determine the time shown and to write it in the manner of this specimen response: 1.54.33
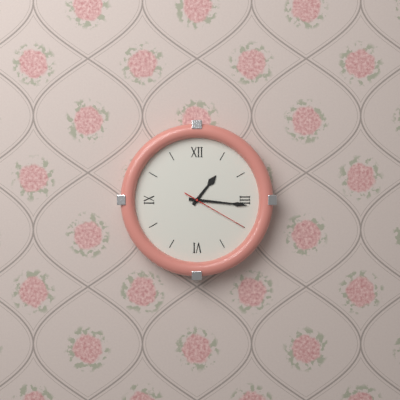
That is 1.16.20
